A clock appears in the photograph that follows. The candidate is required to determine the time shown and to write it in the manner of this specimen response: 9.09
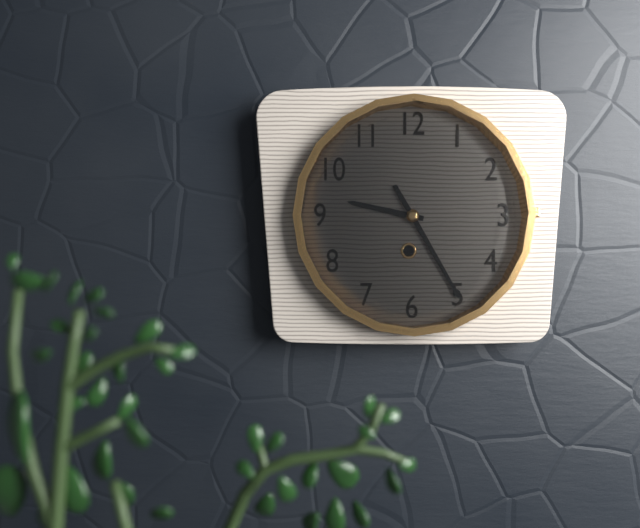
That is 9.25
